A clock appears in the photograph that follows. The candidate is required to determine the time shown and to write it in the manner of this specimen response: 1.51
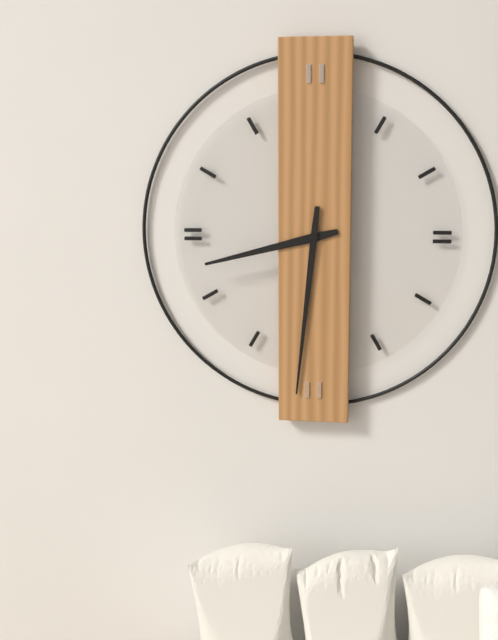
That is 8.31
